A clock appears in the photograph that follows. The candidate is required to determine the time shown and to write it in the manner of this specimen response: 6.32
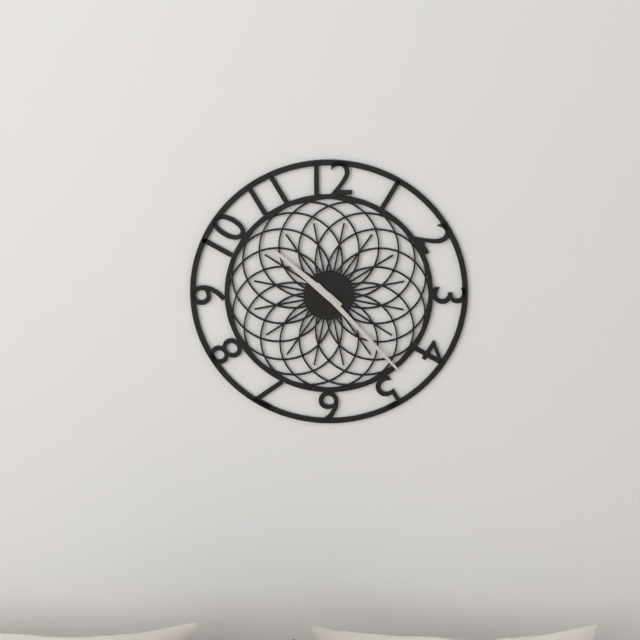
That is 10.23
